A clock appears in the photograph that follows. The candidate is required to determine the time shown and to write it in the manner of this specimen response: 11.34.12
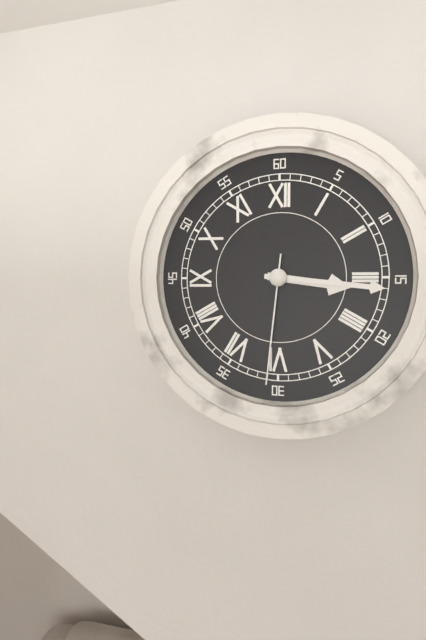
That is 3.16.31
